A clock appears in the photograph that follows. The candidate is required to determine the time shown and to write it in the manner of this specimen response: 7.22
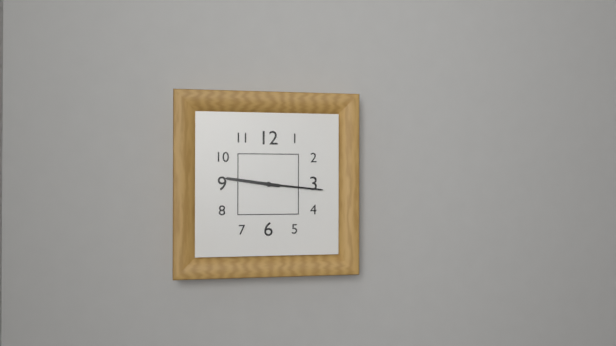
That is 9.16
